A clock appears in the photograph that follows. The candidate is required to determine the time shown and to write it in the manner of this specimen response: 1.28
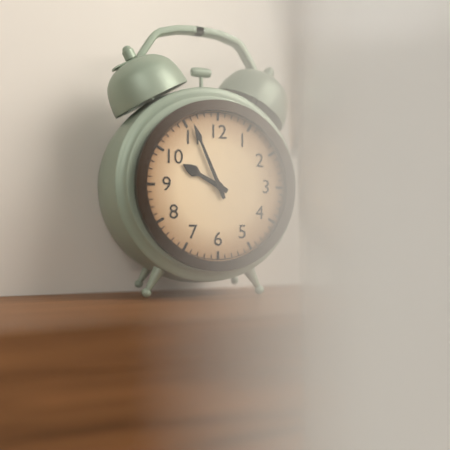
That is 9.56
